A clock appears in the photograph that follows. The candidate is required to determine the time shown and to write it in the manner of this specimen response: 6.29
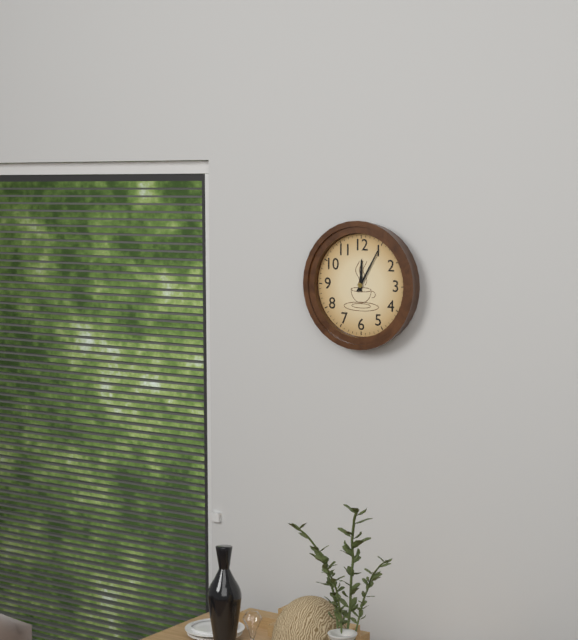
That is 12.05
